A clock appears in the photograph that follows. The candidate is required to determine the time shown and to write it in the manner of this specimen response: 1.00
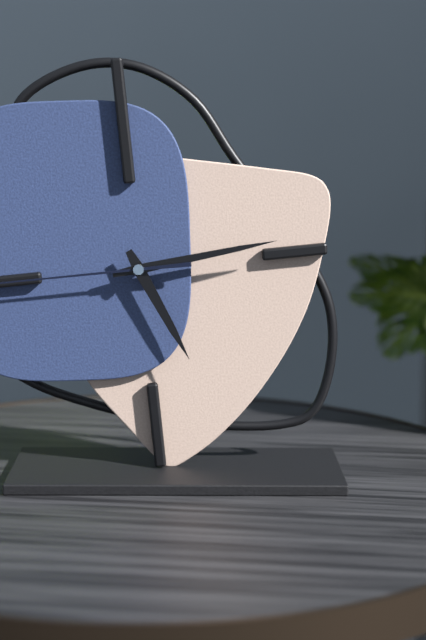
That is 5.14
